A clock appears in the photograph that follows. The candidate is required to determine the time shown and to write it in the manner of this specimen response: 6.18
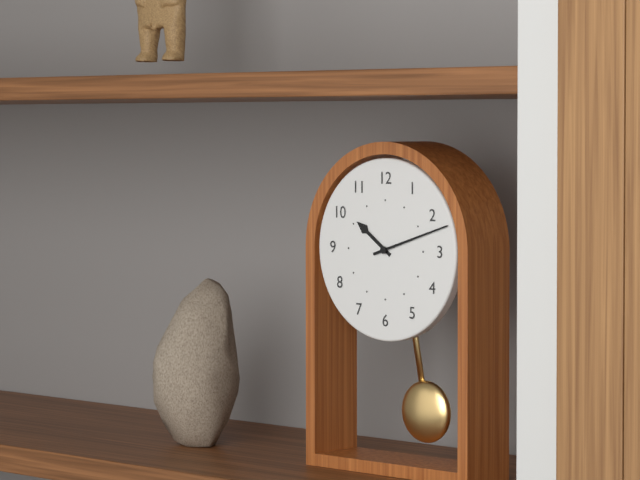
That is 10.12
